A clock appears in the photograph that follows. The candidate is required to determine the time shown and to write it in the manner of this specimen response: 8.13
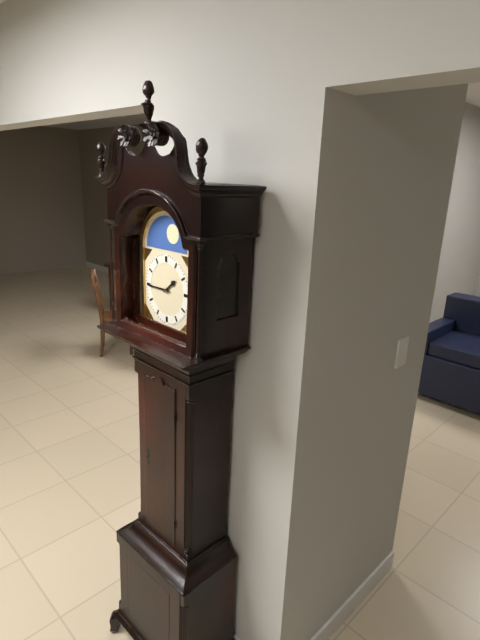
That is 1.45
